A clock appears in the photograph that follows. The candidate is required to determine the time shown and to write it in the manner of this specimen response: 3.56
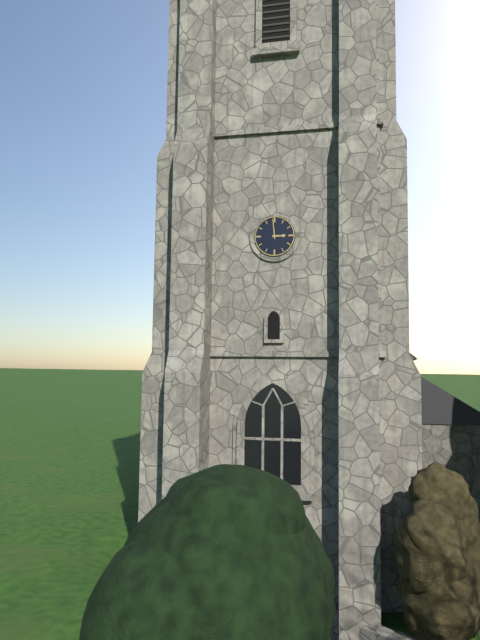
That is 2.59
